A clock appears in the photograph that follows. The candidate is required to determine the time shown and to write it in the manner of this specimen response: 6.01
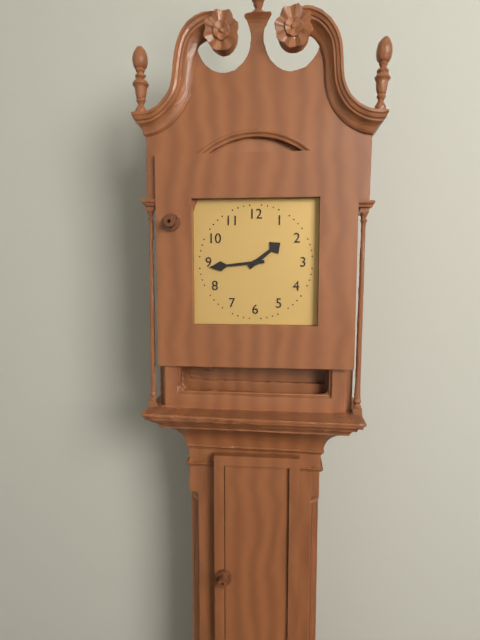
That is 1.44
